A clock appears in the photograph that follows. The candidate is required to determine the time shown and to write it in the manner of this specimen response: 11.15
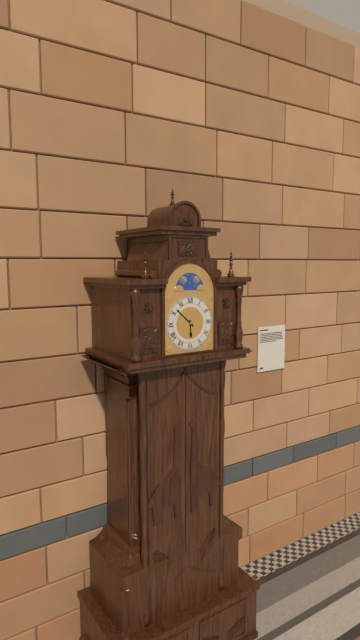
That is 5.52
